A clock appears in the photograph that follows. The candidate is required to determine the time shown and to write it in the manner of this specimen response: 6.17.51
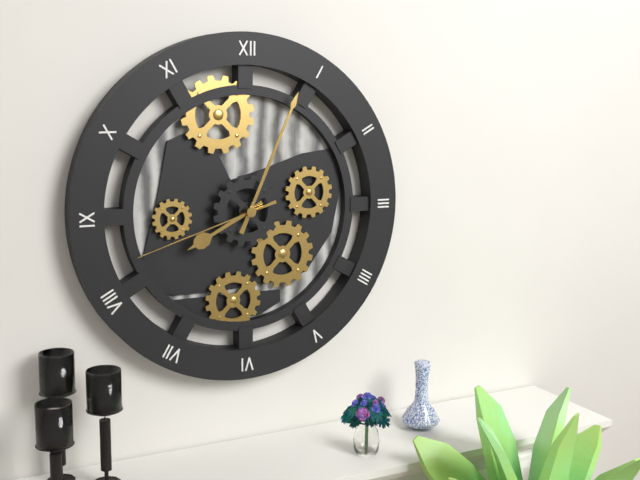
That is 8.04.42
